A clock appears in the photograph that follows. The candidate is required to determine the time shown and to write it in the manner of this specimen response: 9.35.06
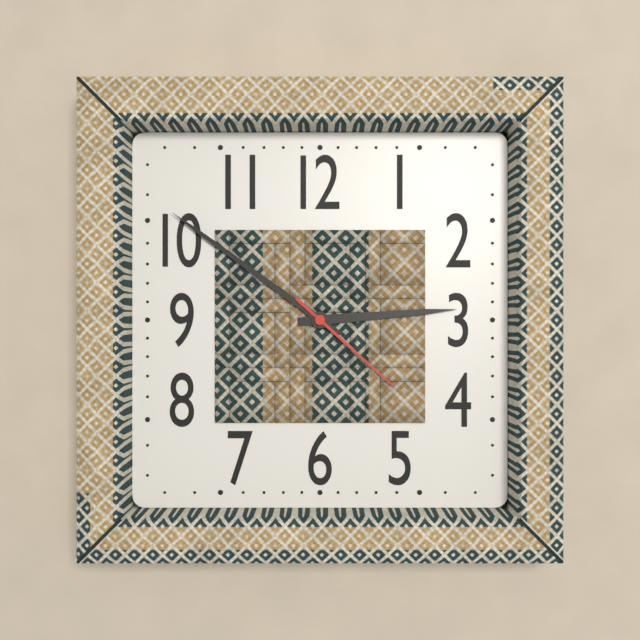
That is 2.51.22
